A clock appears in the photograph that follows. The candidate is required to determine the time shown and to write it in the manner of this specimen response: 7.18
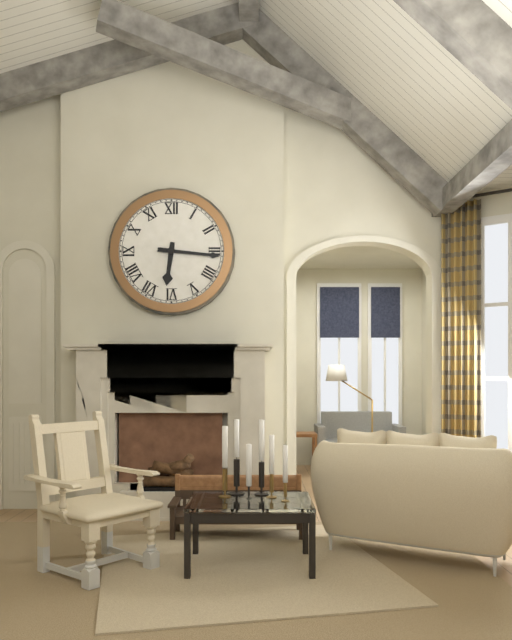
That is 6.16
